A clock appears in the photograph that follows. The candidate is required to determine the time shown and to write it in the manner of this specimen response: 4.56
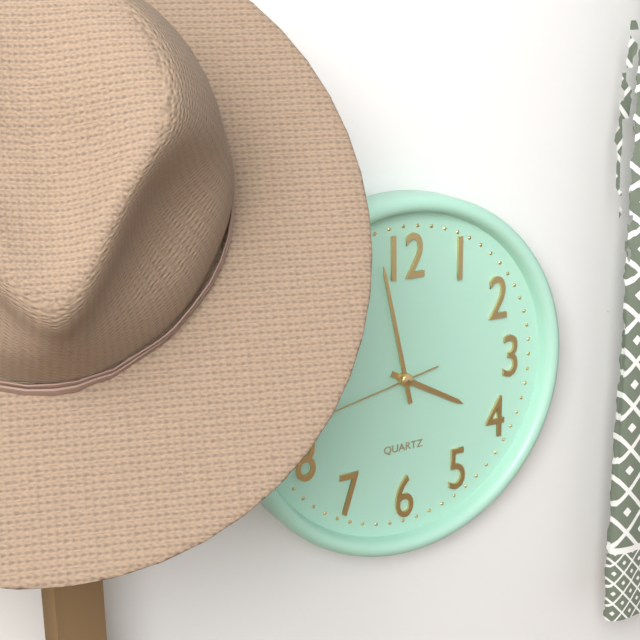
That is 3.58
